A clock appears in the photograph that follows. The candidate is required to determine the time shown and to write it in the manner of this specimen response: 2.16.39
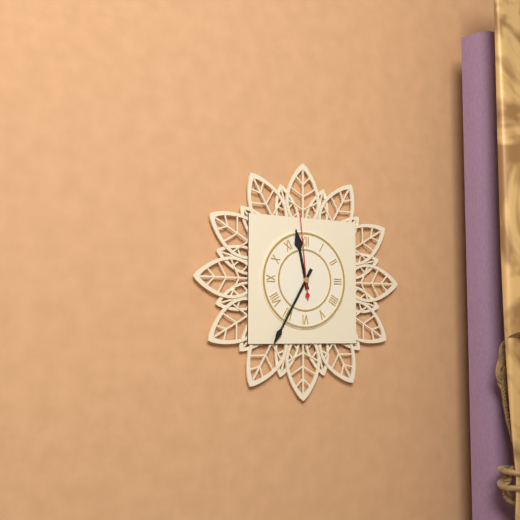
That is 11.35.59
